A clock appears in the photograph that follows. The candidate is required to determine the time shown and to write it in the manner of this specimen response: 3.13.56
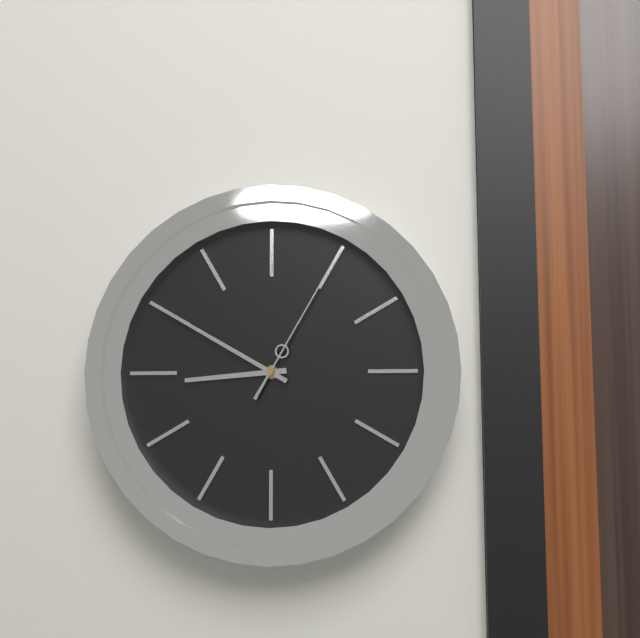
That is 8.50.05
